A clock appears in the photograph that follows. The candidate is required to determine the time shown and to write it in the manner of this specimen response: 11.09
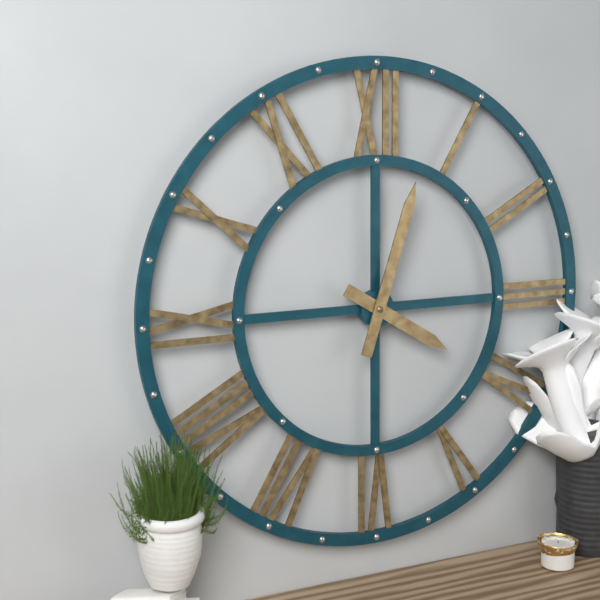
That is 4.03
